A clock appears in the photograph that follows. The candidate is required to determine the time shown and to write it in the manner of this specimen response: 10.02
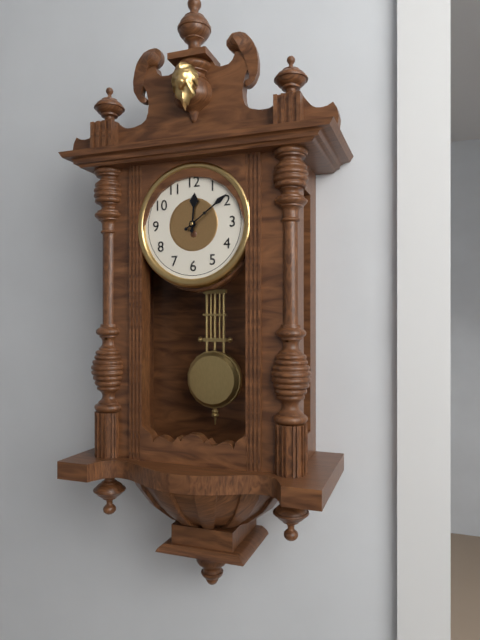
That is 12.09
